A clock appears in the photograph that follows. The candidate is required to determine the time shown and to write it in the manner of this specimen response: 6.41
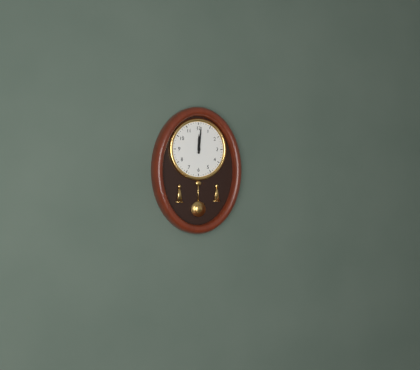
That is 12.01
